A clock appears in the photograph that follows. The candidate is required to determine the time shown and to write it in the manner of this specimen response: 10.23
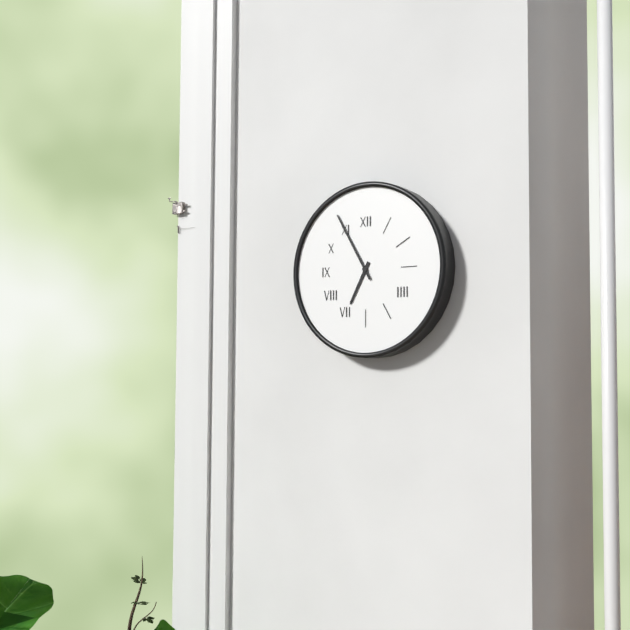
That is 6.55
